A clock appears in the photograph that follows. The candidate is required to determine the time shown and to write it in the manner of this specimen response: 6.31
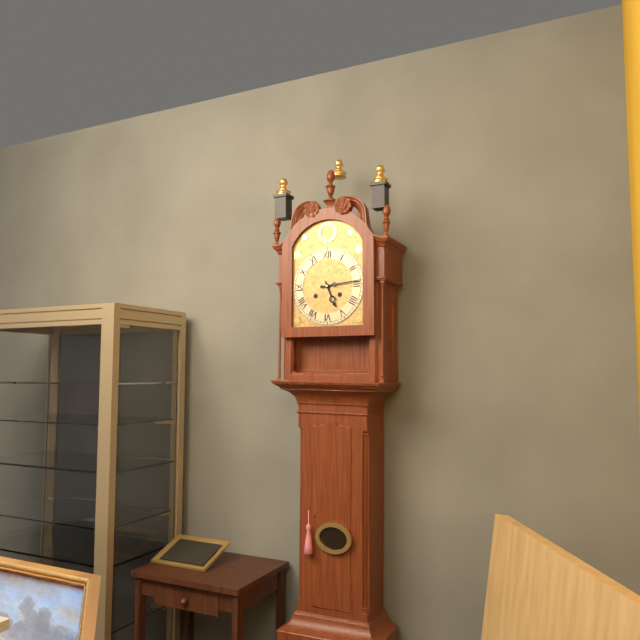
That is 5.14
